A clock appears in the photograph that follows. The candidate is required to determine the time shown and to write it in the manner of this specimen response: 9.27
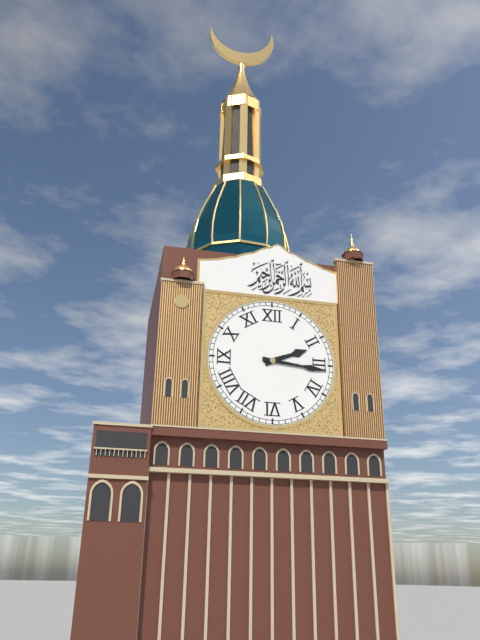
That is 2.16
